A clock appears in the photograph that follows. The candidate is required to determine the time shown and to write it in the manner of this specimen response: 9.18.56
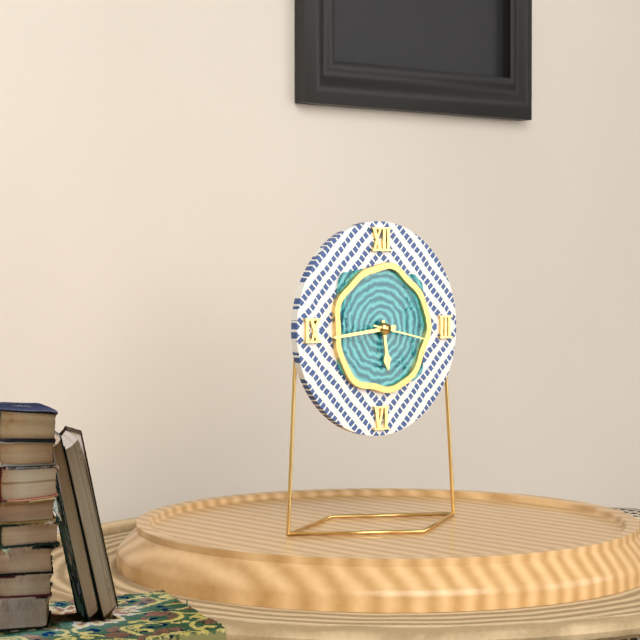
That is 5.44.17
